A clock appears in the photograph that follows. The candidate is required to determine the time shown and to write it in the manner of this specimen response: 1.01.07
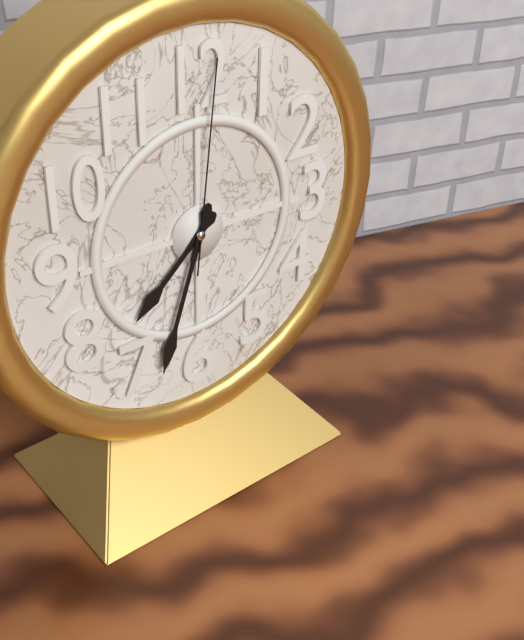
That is 7.33.01
